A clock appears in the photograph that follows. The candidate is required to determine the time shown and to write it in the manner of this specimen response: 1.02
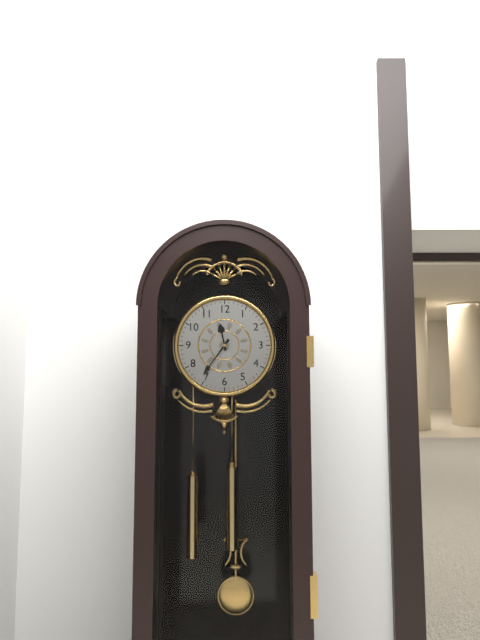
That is 11.36
